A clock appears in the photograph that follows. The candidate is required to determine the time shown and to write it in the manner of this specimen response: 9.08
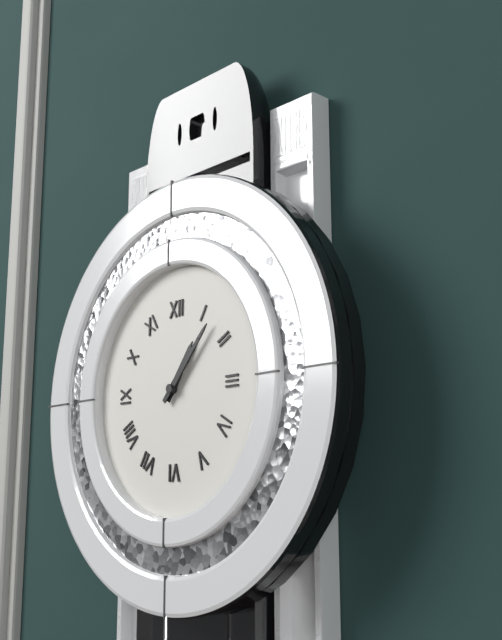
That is 1.07
